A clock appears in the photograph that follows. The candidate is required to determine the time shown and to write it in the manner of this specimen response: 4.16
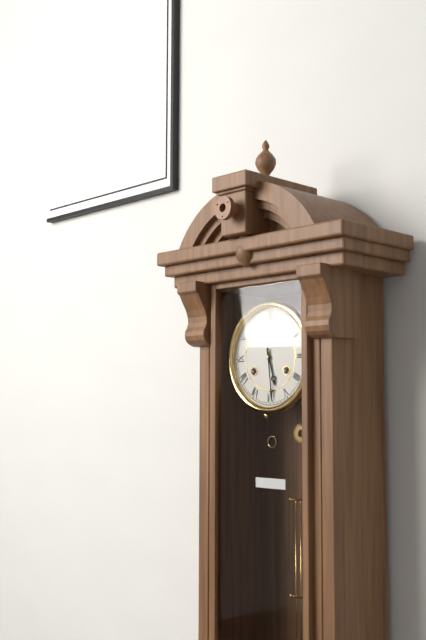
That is 5.29
